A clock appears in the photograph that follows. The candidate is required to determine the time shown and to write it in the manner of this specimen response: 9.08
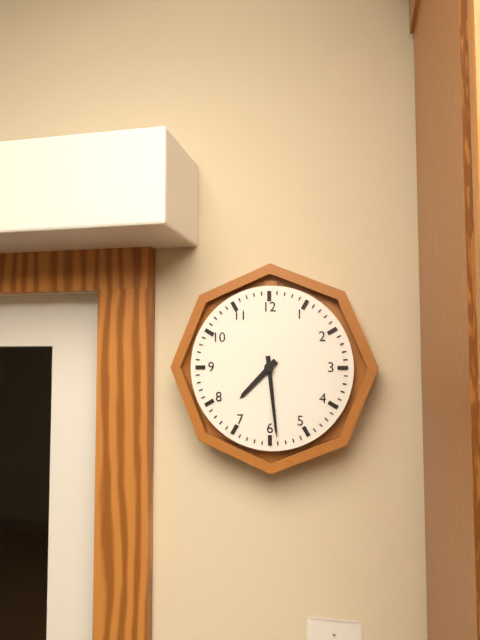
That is 7.29
